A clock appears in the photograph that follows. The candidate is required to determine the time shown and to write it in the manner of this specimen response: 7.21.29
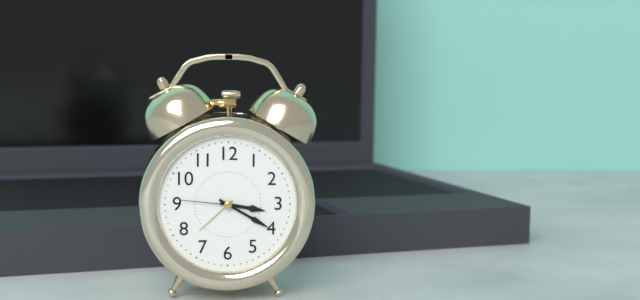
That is 3.20.46
